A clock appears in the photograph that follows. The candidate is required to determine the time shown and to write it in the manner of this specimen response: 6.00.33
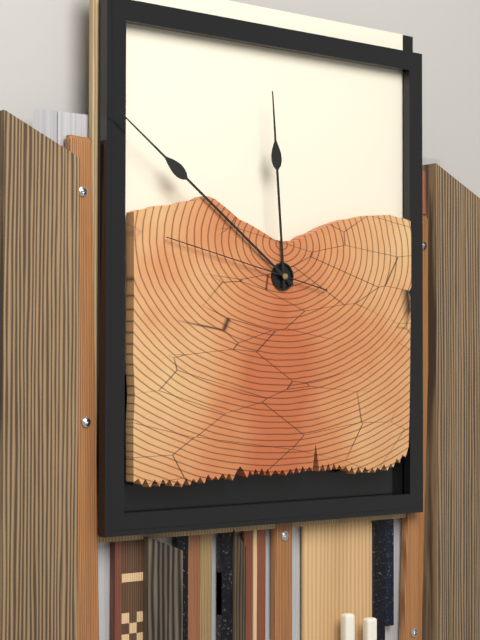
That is 11.51.47
